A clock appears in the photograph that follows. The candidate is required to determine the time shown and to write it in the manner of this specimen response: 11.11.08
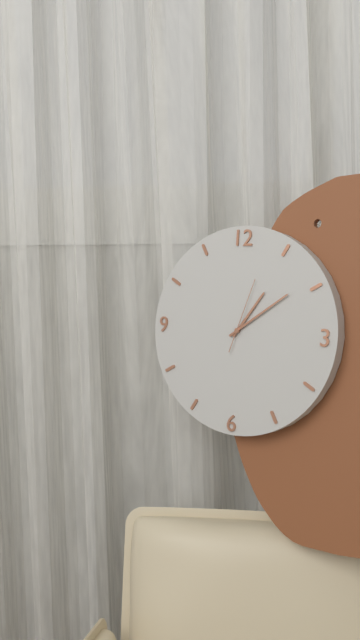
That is 1.09.03
